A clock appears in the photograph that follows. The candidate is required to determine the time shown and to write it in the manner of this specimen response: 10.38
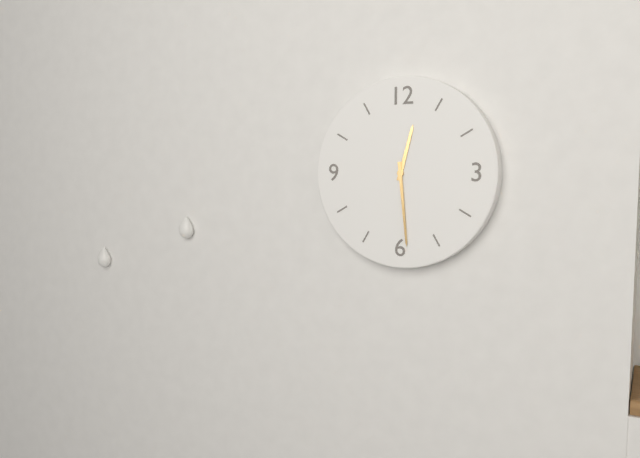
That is 12.29
